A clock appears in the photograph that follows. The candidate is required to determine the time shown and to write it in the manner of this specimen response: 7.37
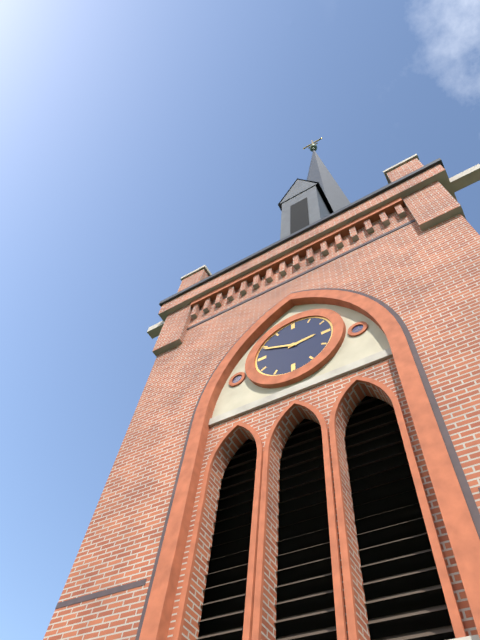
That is 2.49
